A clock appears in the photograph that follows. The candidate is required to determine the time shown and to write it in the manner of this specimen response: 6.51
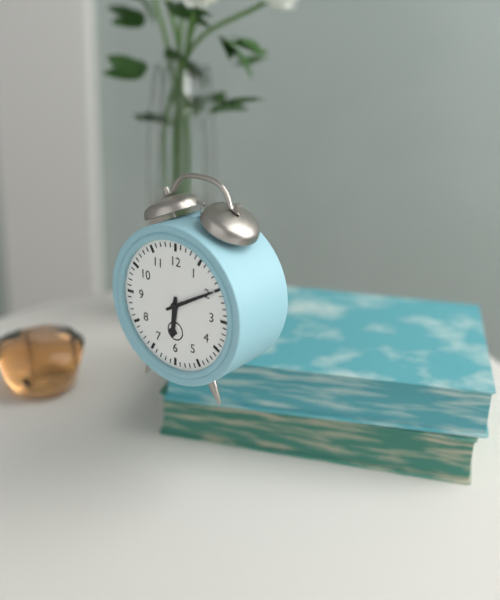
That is 6.10
